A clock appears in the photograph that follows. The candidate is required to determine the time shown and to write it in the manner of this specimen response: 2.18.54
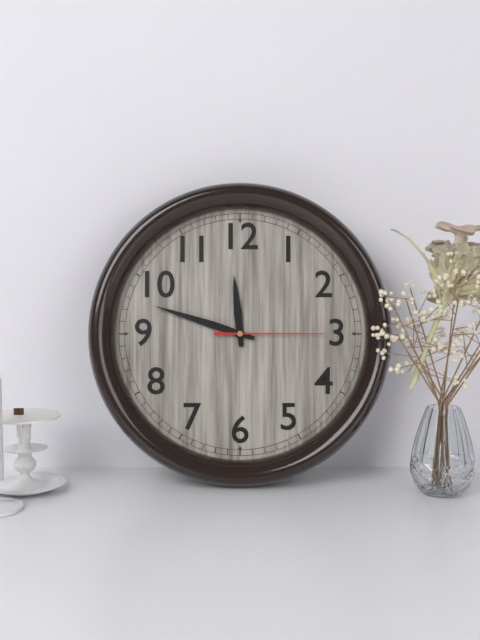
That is 11.48.15
